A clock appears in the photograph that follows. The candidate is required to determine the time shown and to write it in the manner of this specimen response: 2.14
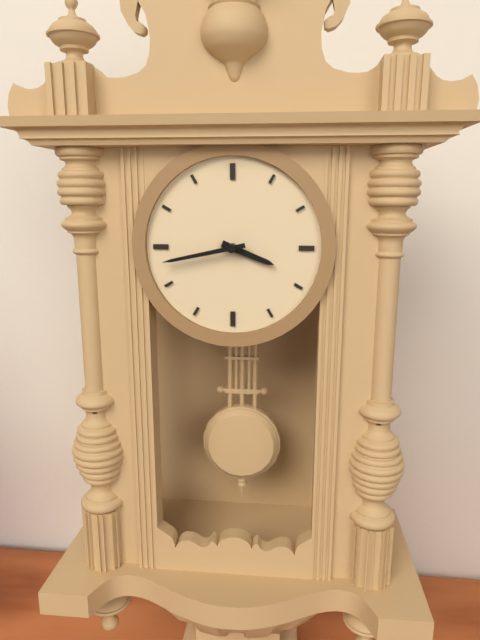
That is 3.43
